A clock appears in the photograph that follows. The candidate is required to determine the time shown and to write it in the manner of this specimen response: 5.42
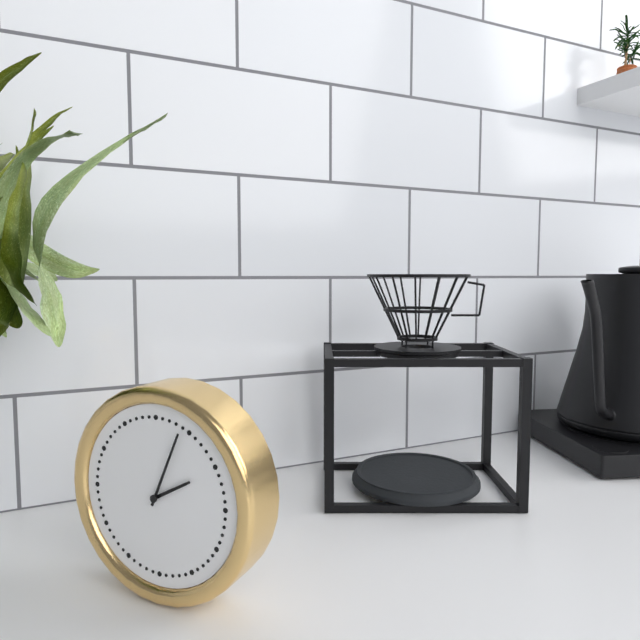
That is 2.04
